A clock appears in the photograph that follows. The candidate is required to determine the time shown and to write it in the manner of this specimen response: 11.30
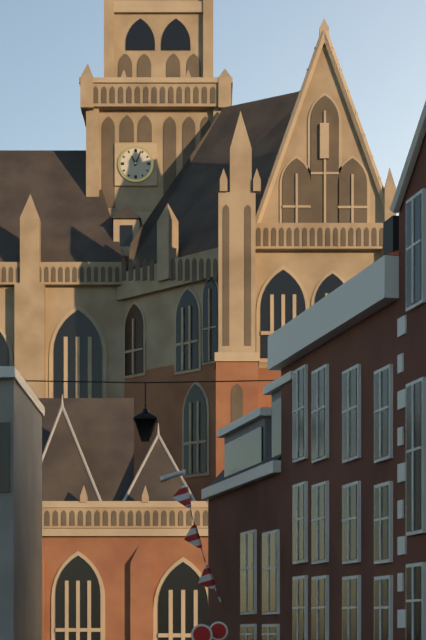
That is 11.04
